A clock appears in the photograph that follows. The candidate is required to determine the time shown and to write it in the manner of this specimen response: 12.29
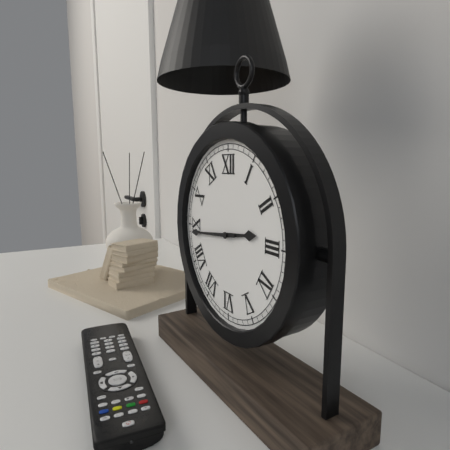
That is 2.44
